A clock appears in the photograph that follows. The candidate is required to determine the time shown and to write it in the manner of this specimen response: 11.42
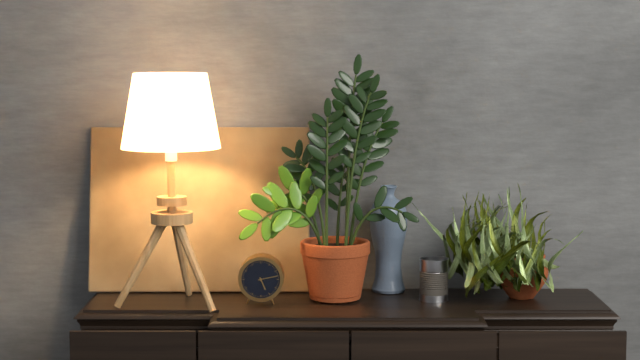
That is 5.13
